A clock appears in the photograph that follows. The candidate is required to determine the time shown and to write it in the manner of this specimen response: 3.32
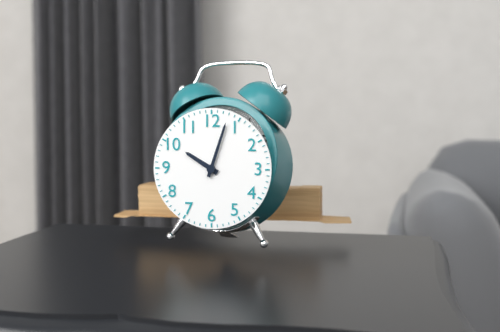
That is 10.03
